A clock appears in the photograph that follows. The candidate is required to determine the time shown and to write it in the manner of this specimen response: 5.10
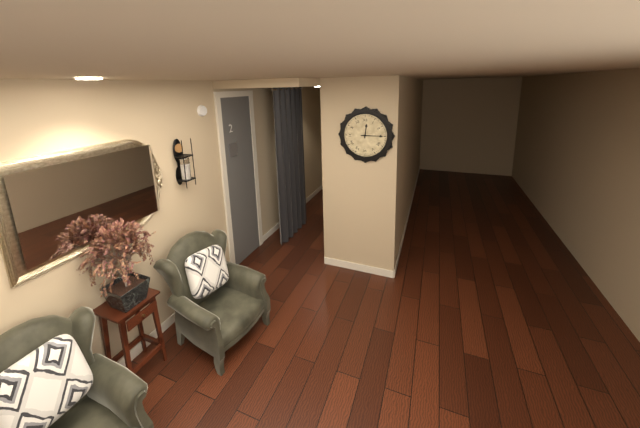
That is 12.15
